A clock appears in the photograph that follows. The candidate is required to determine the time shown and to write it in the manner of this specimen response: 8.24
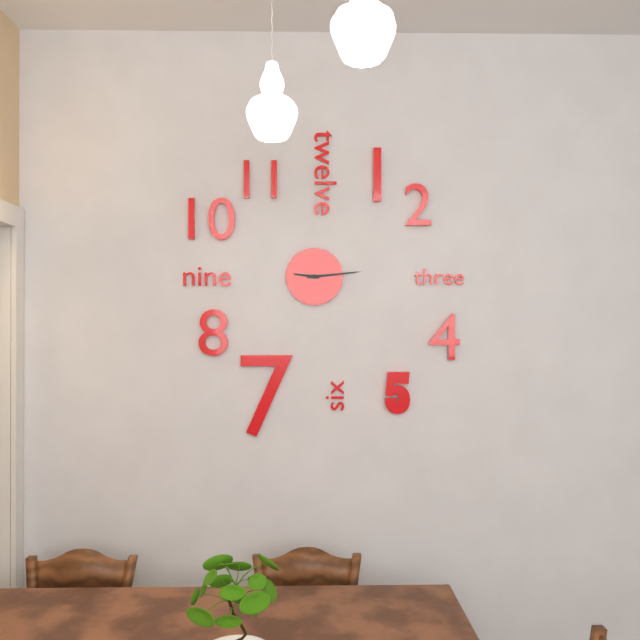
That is 9.14
